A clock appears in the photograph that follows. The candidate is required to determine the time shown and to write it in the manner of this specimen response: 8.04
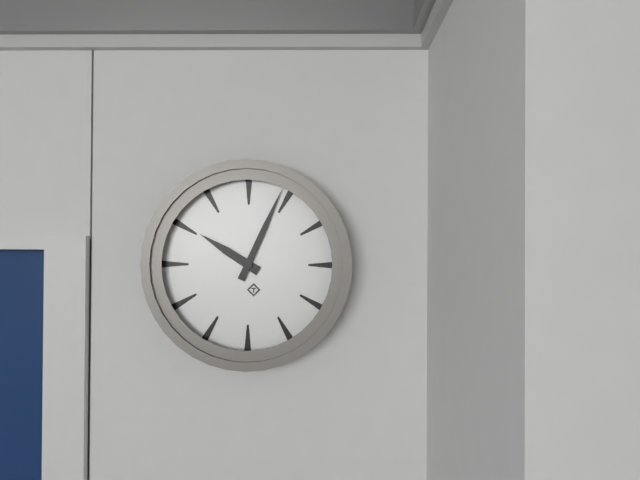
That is 10.04
